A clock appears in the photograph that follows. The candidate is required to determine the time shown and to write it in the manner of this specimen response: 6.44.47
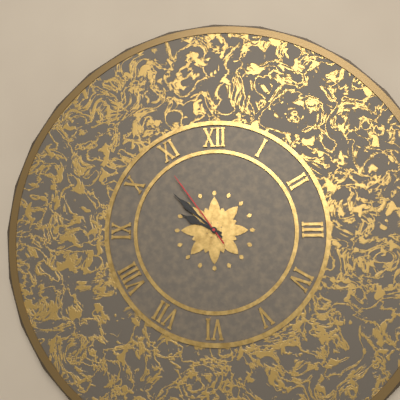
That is 9.52.54
